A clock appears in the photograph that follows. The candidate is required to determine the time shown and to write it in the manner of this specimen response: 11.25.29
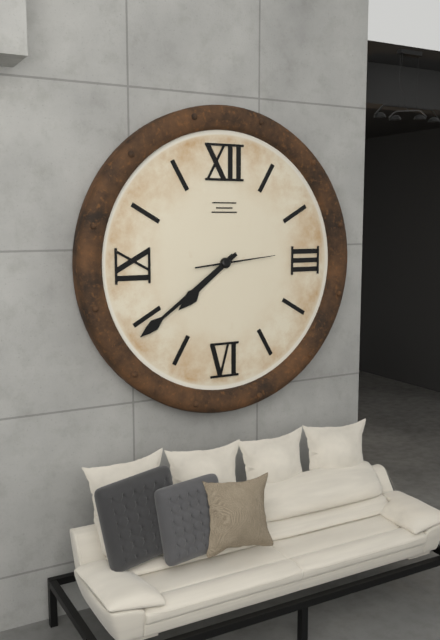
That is 7.39.14
